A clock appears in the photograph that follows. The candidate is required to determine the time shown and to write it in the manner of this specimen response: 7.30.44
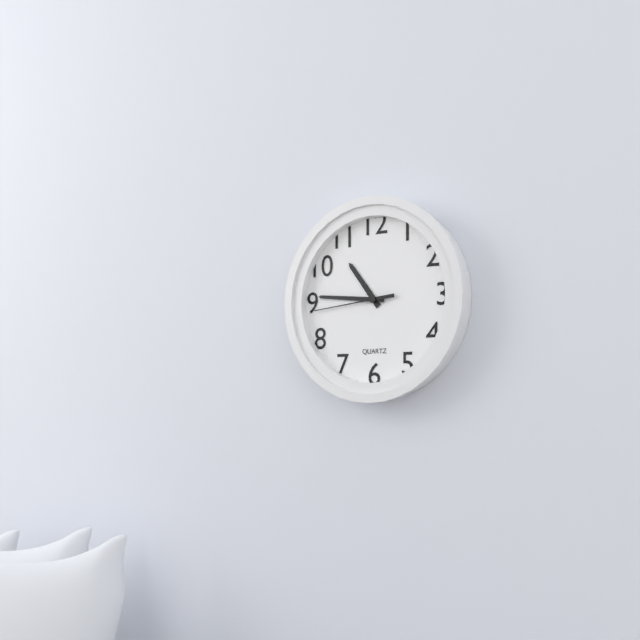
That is 10.46.44
